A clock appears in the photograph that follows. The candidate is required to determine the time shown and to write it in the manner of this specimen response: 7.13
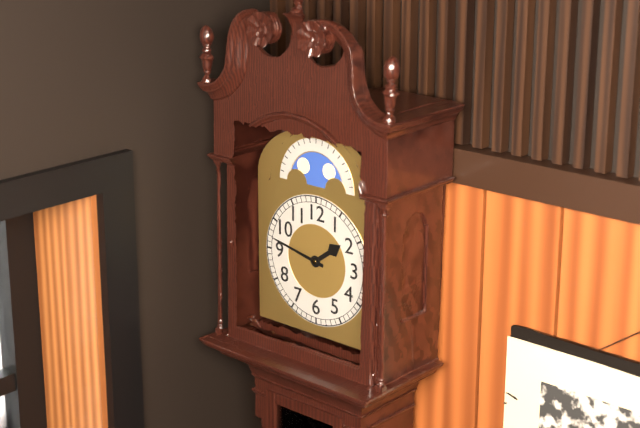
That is 1.47
